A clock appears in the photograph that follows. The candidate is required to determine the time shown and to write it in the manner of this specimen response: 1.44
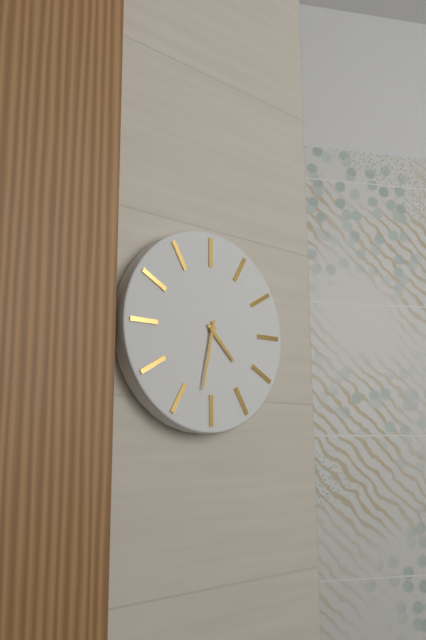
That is 4.32
